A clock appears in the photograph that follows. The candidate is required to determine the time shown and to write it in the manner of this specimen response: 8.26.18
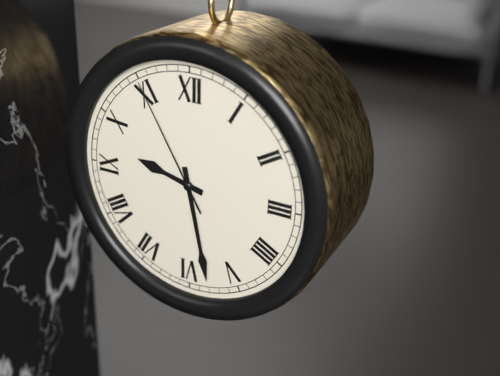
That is 9.28.55
